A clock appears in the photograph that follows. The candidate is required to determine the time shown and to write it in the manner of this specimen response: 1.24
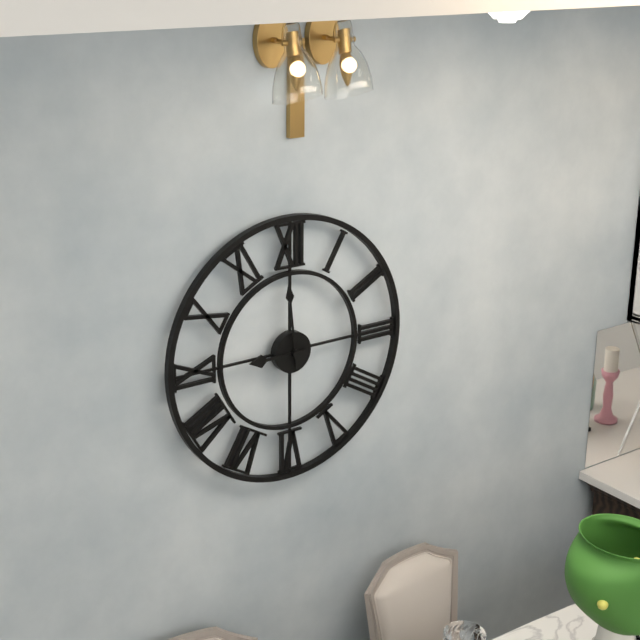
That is 8.59
